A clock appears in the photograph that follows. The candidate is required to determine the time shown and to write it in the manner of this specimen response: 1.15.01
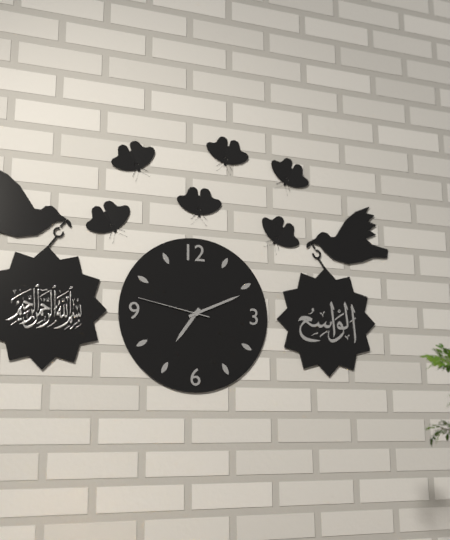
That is 7.11.47
